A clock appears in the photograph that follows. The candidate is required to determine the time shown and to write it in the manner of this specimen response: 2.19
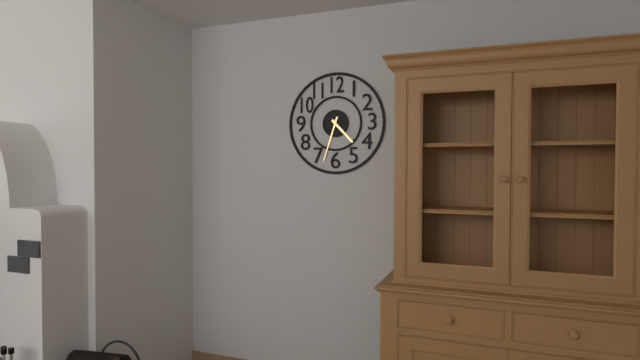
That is 4.33
